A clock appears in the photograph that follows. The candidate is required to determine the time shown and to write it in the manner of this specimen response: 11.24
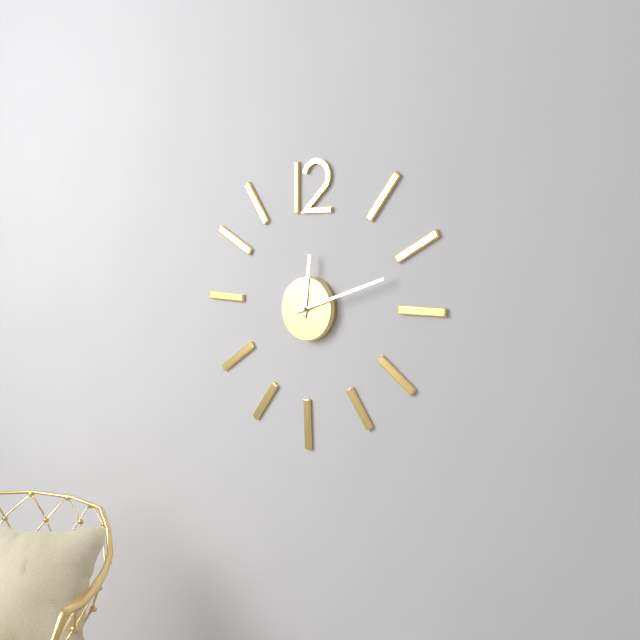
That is 12.12
